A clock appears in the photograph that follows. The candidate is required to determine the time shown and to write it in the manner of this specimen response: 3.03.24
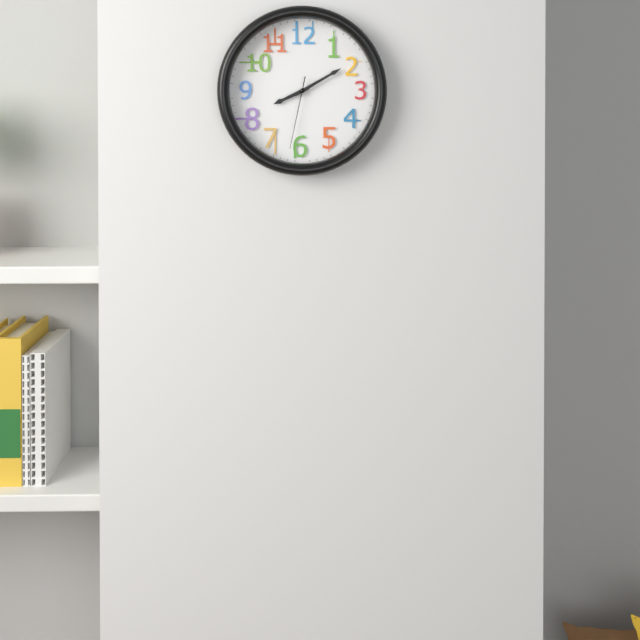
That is 8.10.32
